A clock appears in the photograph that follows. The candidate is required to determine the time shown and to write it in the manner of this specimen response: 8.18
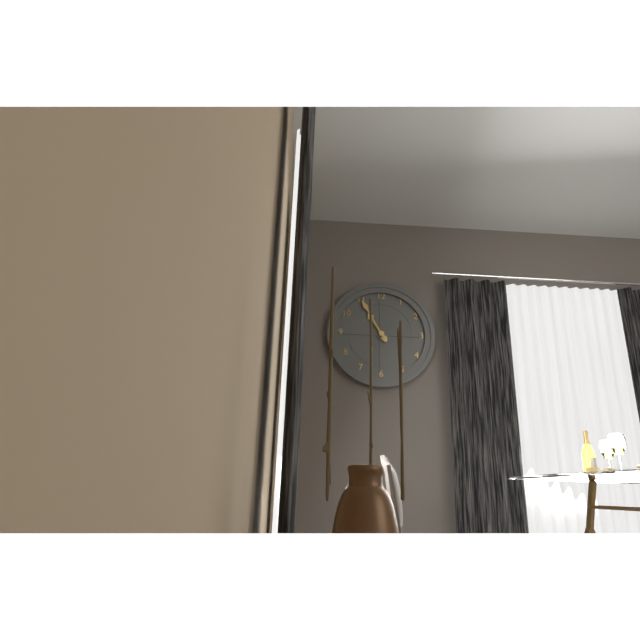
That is 10.55
